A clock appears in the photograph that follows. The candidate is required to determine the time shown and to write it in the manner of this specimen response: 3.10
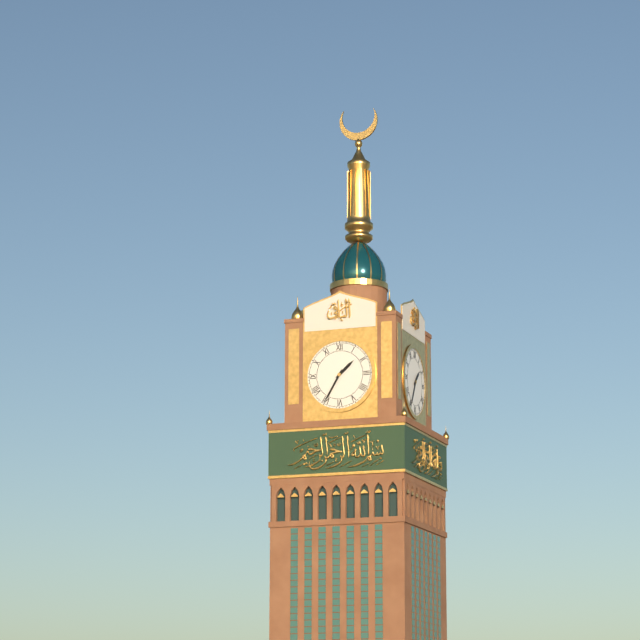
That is 1.35
